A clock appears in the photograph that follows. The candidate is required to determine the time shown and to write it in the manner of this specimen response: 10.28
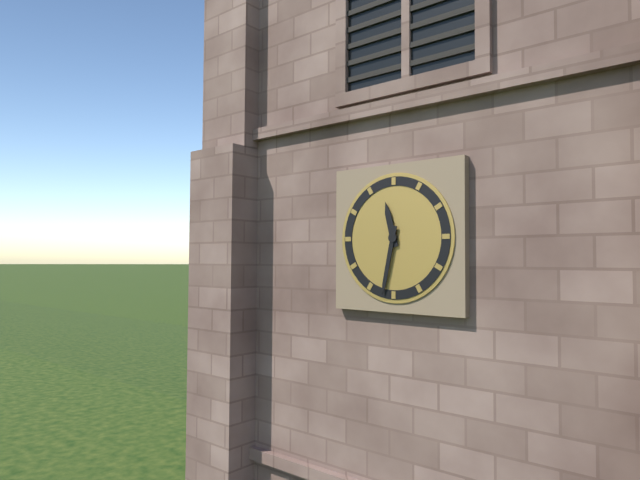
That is 11.32
